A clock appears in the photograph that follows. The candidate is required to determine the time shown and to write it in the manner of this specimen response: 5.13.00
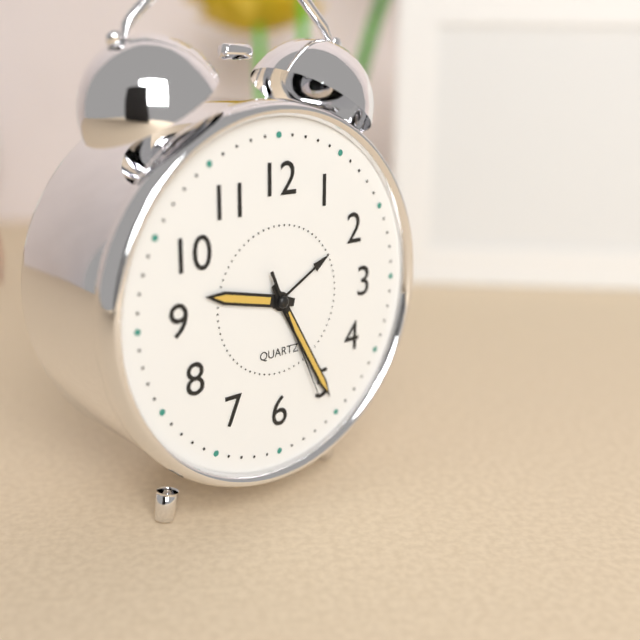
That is 9.25.26
